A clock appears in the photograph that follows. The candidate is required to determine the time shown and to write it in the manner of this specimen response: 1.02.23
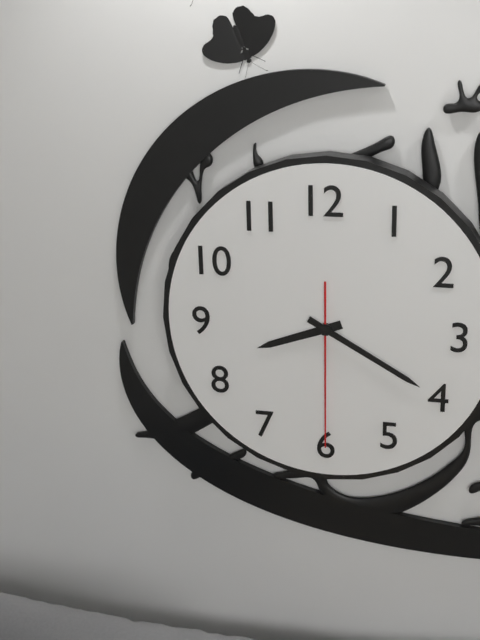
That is 8.20.30
